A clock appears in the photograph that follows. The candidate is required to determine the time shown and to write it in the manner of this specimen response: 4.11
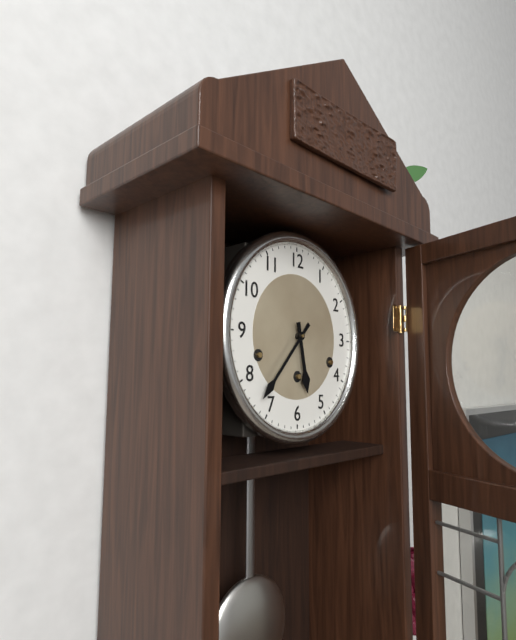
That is 5.37
